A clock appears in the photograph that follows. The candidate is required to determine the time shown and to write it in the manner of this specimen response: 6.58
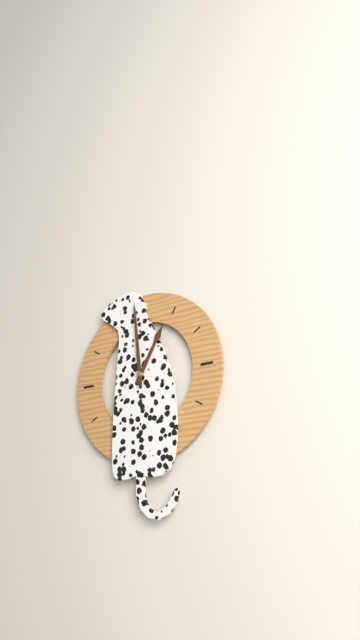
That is 12.59
